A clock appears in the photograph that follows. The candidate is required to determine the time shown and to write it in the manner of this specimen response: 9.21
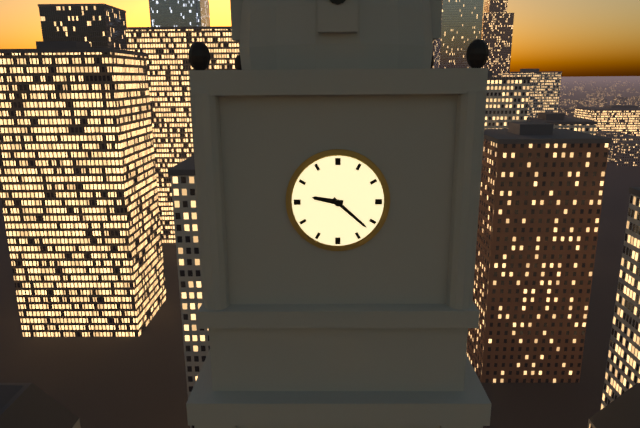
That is 9.22
